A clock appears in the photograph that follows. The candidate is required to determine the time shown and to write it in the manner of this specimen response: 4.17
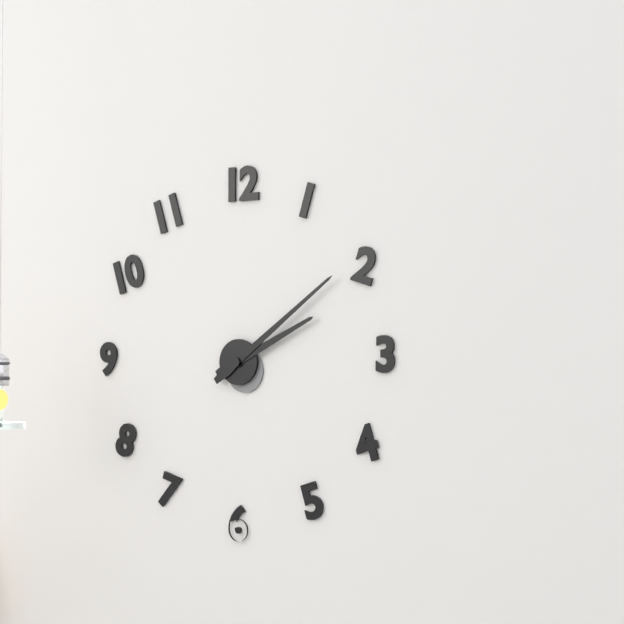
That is 2.09
